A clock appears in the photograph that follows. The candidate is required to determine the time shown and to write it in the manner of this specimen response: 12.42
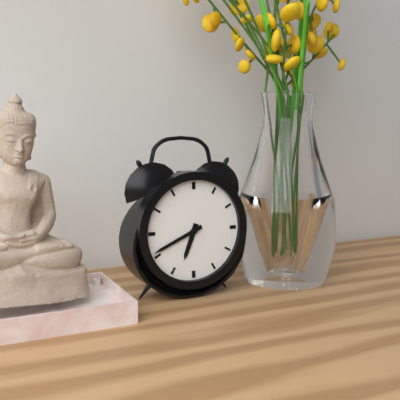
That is 6.41
